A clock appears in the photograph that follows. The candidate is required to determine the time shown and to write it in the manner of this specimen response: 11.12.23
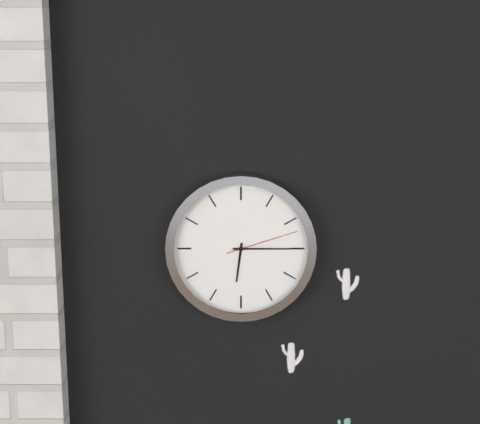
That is 6.15.12
